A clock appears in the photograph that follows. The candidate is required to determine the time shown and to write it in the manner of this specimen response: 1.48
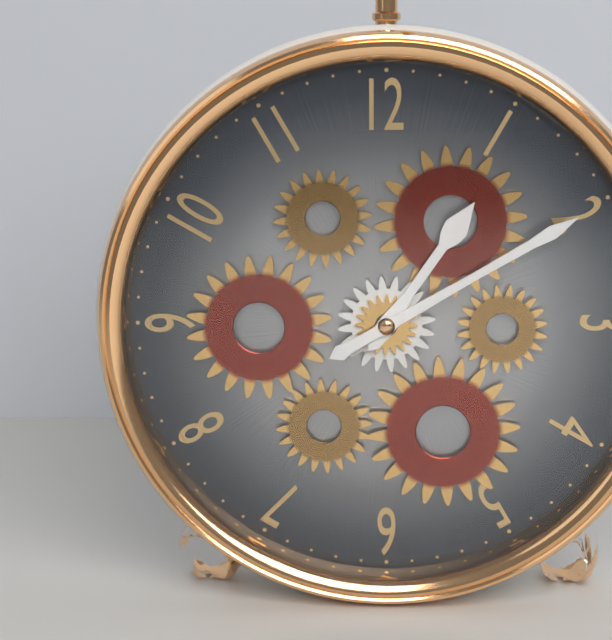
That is 1.10
